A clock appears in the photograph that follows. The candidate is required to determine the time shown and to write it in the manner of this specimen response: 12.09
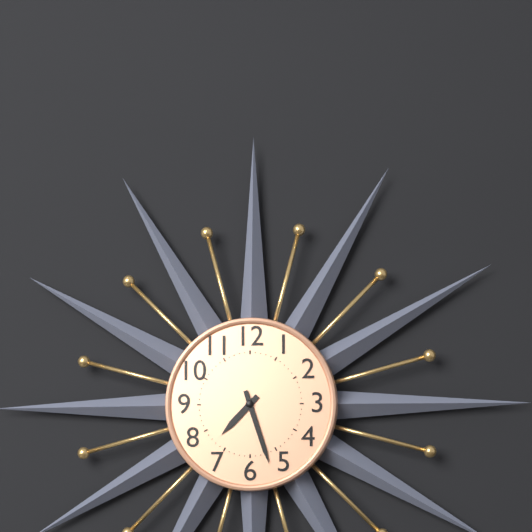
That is 7.27
